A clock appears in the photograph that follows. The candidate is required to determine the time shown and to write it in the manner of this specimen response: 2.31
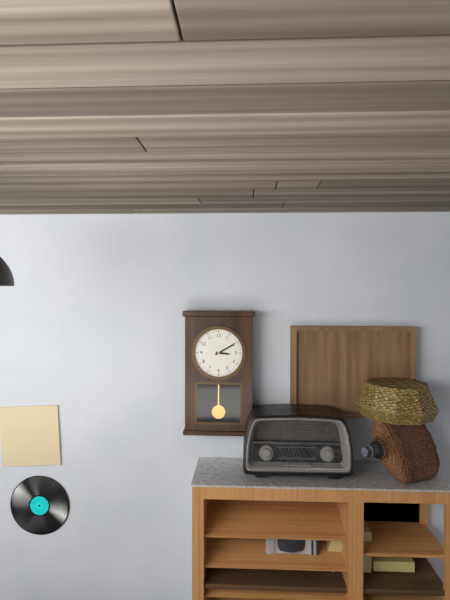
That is 3.10
